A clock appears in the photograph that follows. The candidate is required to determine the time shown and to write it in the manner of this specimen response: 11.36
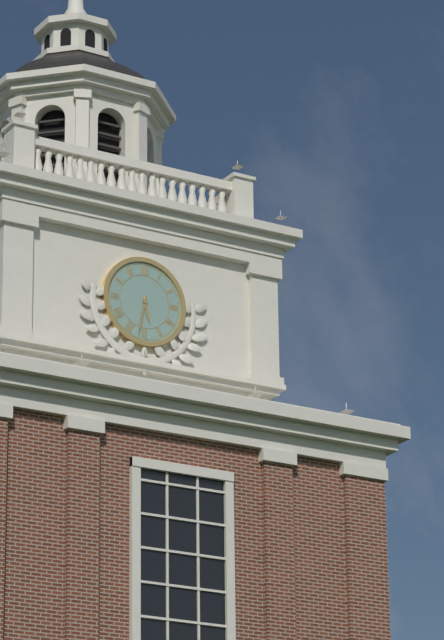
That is 5.32
